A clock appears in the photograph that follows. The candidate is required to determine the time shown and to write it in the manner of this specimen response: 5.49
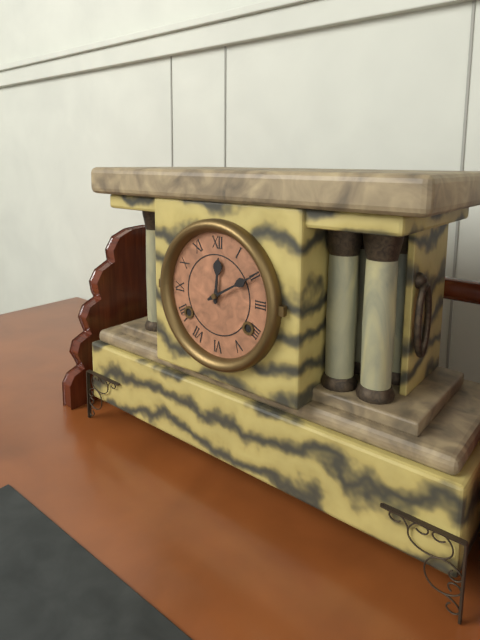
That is 12.10
